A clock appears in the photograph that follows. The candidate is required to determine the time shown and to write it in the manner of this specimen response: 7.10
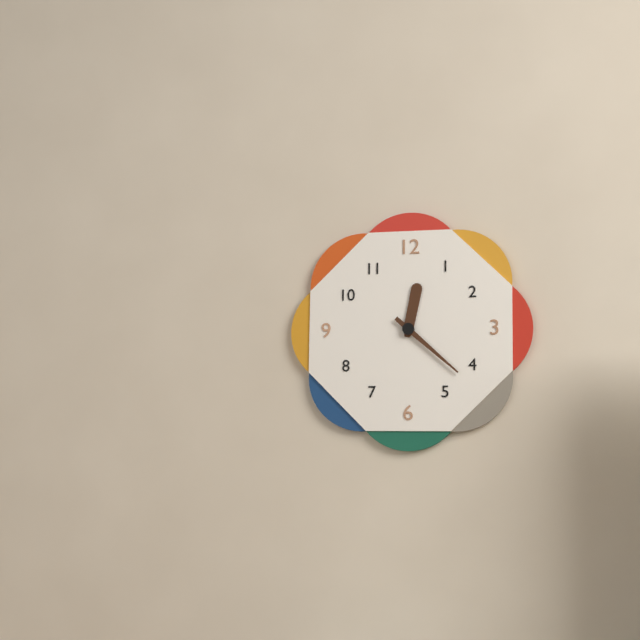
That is 12.22
